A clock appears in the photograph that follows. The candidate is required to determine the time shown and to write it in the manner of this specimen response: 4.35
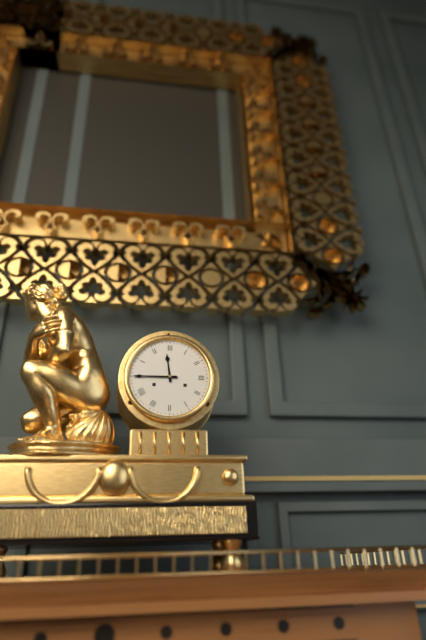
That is 11.45
